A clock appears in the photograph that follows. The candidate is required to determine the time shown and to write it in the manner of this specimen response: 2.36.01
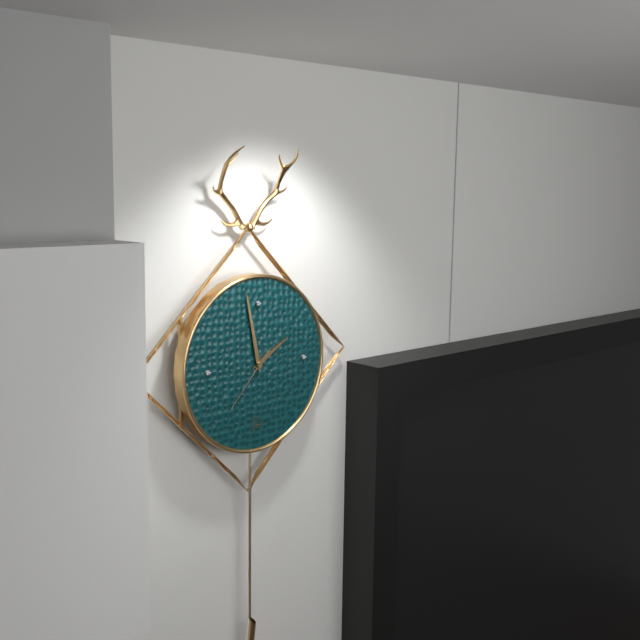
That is 1.58.37
